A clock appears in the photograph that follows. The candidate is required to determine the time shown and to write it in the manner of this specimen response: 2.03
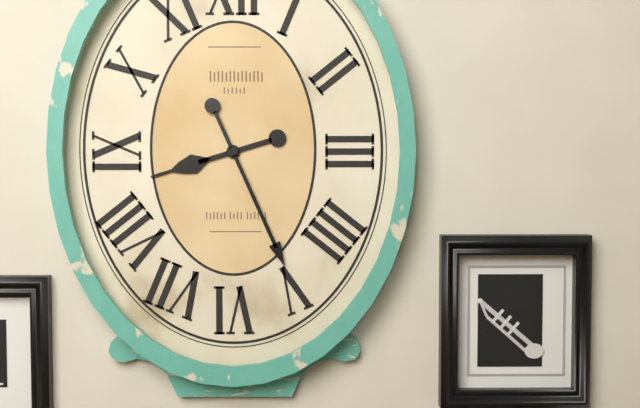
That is 8.26
